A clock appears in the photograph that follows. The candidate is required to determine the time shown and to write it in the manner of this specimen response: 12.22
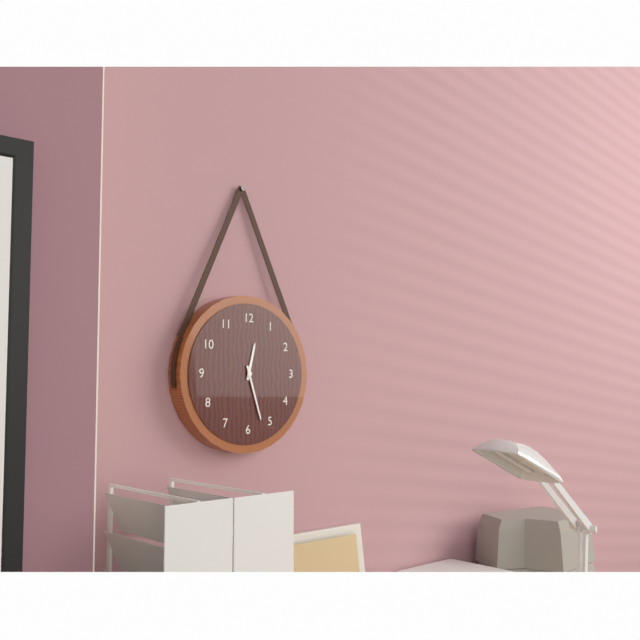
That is 12.27
